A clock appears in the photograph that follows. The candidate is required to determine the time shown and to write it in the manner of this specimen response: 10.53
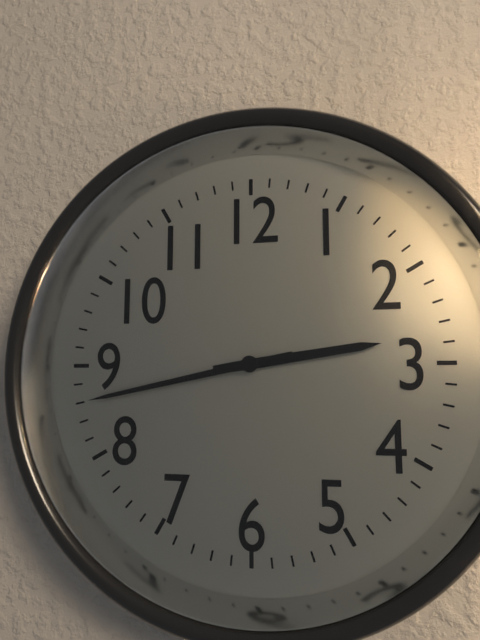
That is 2.43
